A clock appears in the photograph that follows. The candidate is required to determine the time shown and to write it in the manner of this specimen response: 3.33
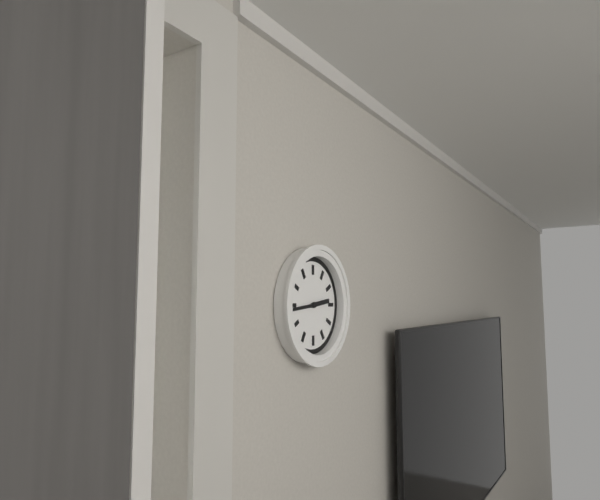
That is 2.44
